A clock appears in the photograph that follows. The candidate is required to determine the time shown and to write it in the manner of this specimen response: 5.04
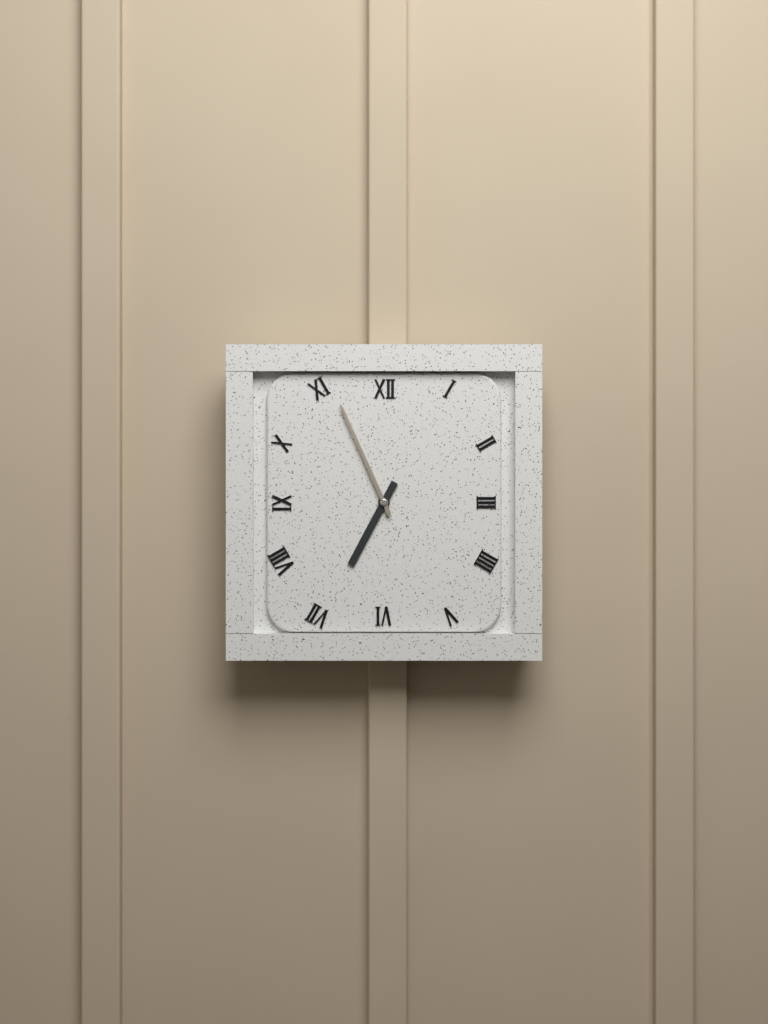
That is 6.56
